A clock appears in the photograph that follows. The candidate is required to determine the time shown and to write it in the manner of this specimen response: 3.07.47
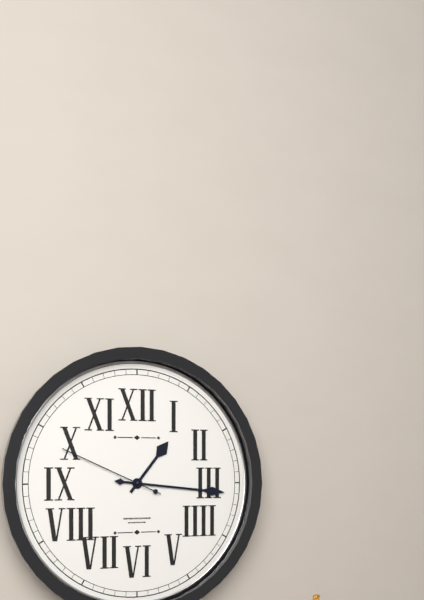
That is 1.16.49
